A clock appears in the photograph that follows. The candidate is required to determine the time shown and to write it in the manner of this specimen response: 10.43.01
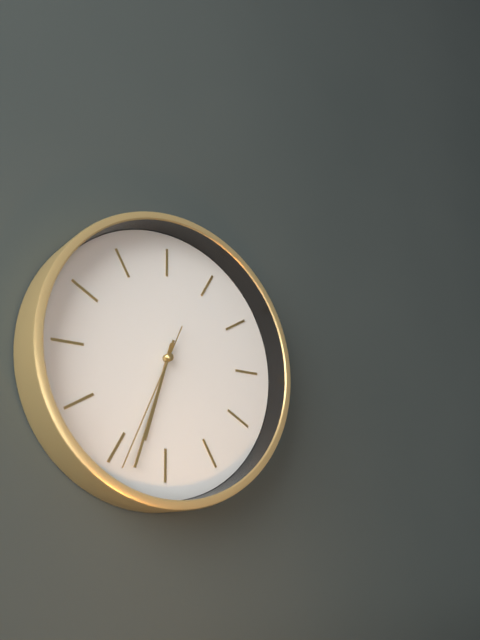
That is 6.33.34
